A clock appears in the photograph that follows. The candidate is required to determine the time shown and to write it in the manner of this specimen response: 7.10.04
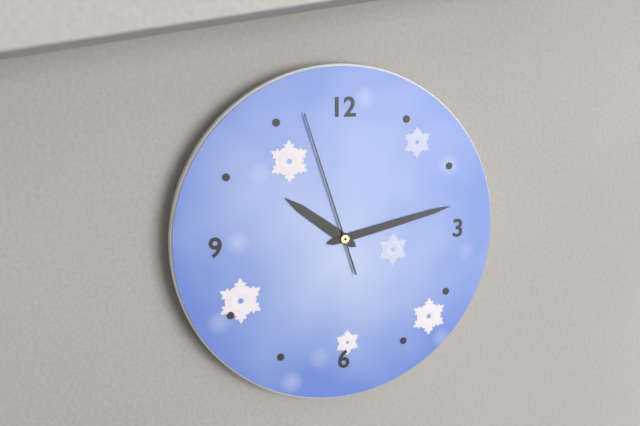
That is 10.13.57
